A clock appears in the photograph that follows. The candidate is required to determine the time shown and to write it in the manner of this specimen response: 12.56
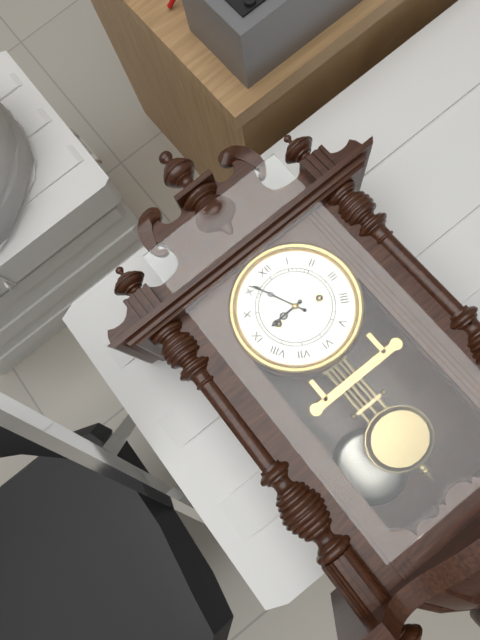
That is 8.56
